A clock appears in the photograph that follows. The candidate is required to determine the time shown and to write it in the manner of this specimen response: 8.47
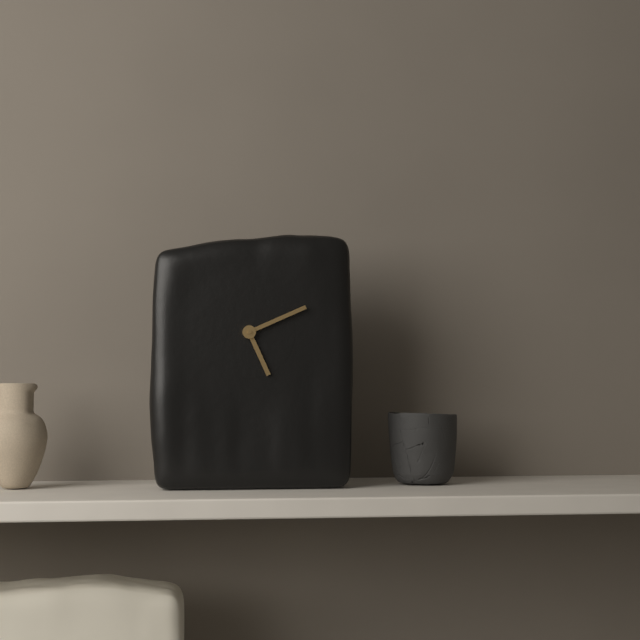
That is 5.11
